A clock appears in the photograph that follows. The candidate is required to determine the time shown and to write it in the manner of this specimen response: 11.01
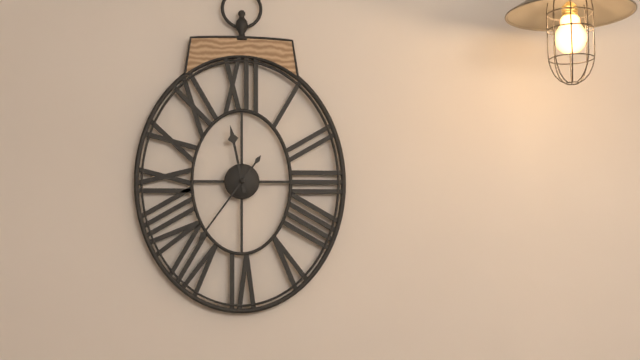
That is 11.36
